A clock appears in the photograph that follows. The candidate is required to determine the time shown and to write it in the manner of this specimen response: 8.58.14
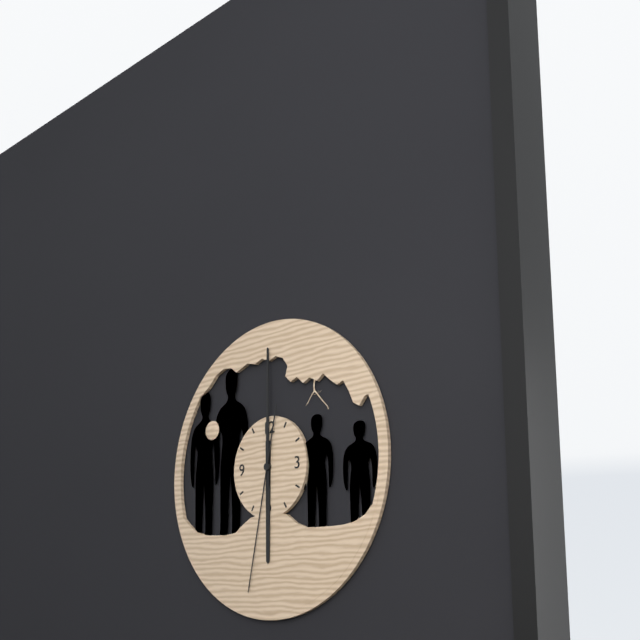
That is 6.00.32
